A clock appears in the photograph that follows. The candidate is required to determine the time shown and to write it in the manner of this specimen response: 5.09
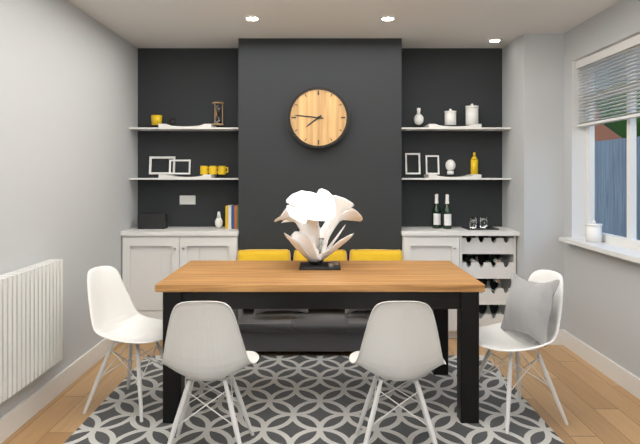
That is 7.46
